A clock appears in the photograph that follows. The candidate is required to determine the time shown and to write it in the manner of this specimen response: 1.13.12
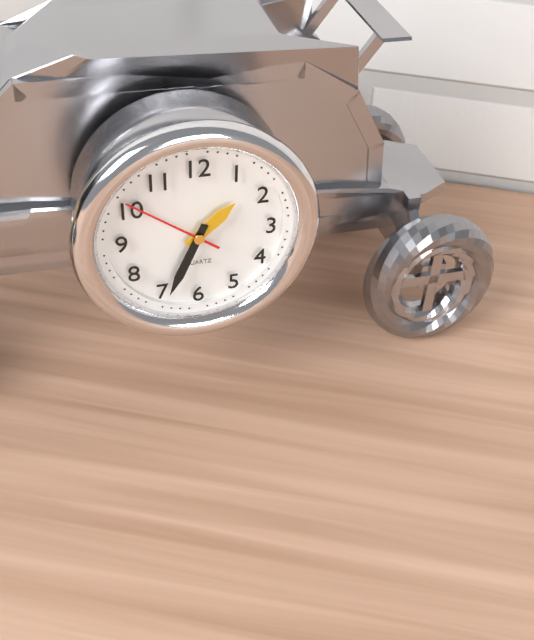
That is 1.34.51
